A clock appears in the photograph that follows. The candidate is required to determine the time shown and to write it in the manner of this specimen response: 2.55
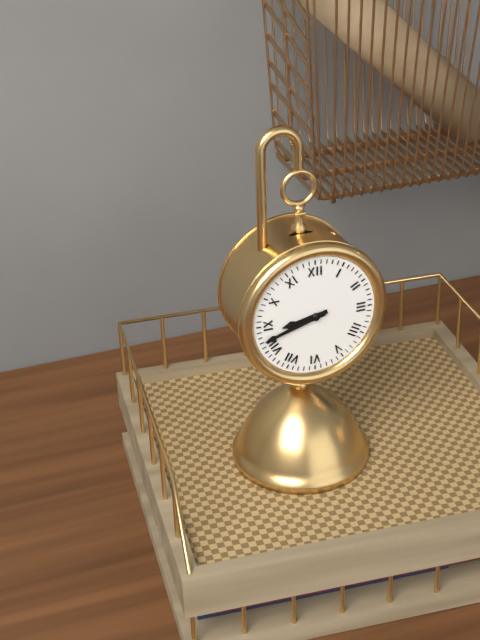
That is 8.42
